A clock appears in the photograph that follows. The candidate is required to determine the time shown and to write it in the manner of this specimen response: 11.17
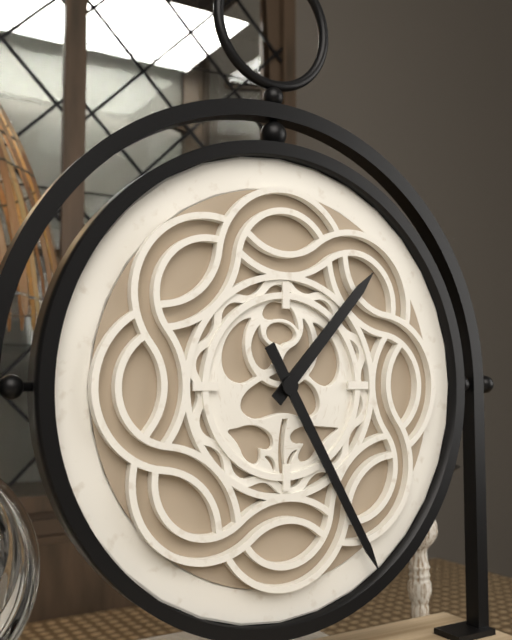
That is 1.25
